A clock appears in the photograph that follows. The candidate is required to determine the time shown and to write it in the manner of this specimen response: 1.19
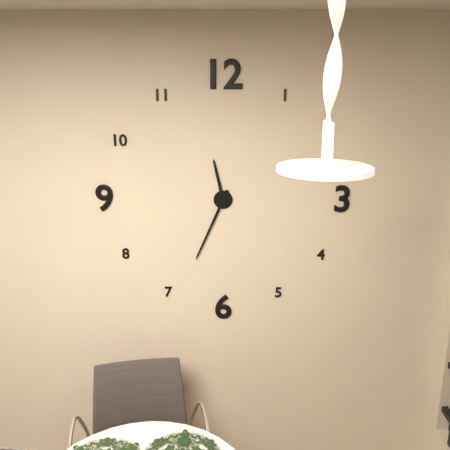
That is 11.34
